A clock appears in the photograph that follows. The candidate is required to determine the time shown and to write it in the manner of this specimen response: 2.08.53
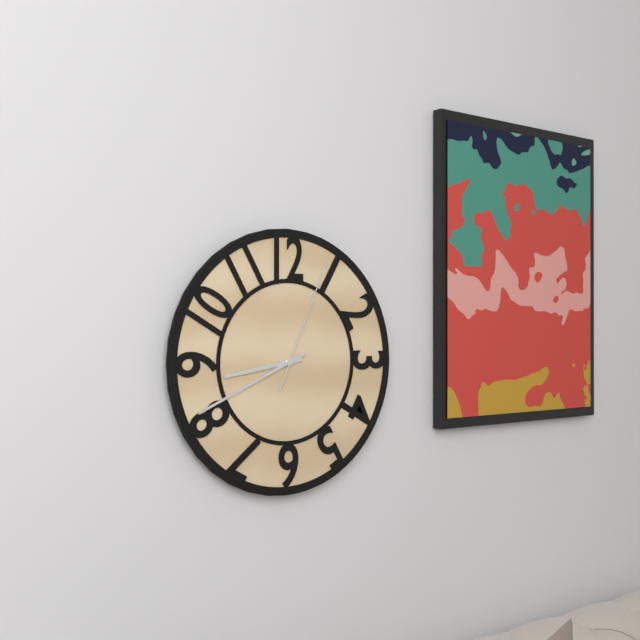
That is 8.41.04
